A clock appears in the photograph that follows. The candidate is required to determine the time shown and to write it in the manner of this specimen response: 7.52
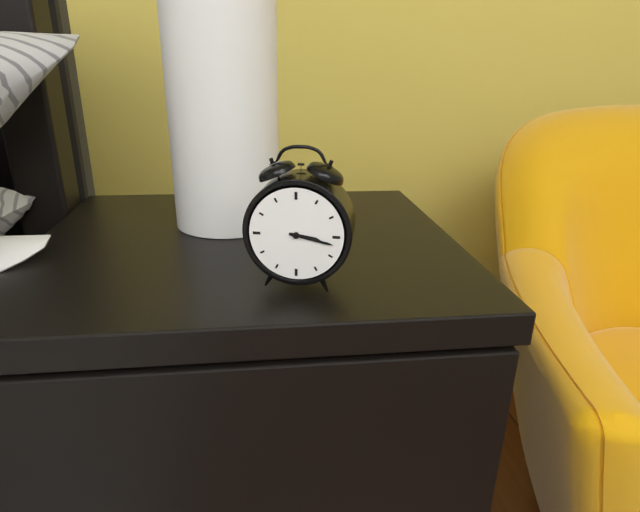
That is 3.17
